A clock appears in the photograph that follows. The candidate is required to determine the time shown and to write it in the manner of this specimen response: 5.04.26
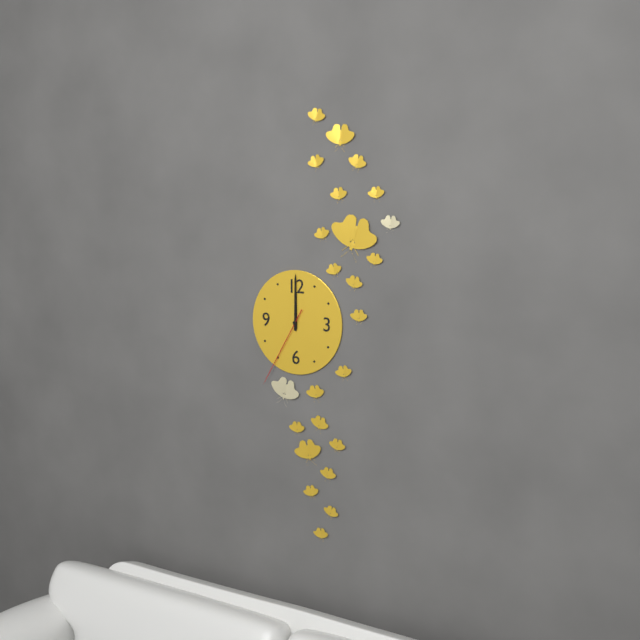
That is 12.00.35
